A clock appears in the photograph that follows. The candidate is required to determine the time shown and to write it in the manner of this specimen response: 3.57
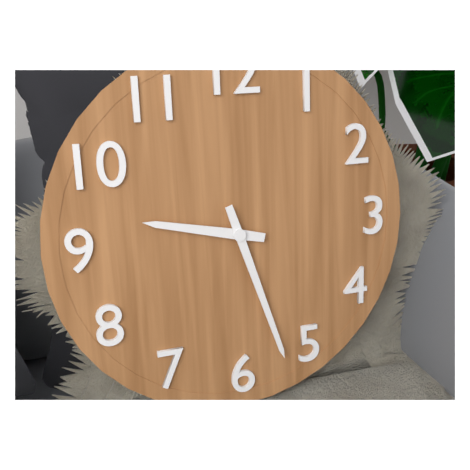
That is 9.27
